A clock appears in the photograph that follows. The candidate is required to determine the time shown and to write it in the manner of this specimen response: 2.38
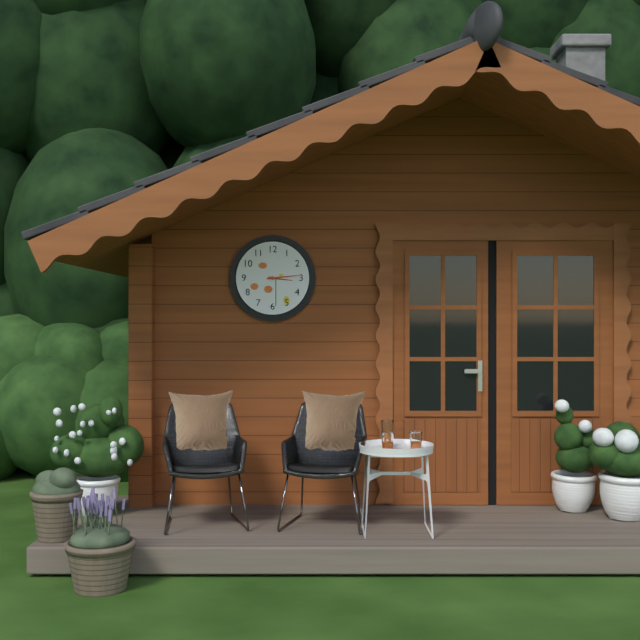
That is 3.14
